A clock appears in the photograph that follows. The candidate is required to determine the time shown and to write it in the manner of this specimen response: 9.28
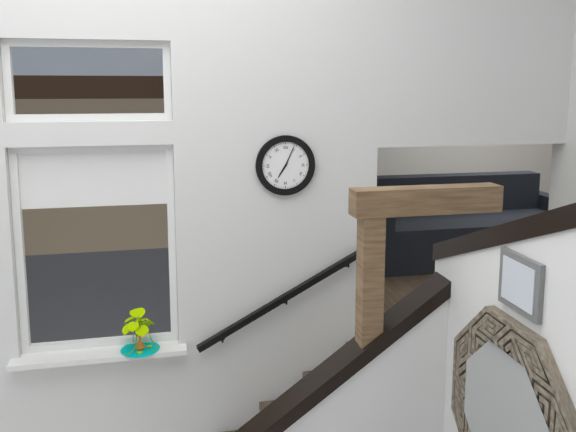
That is 7.04
